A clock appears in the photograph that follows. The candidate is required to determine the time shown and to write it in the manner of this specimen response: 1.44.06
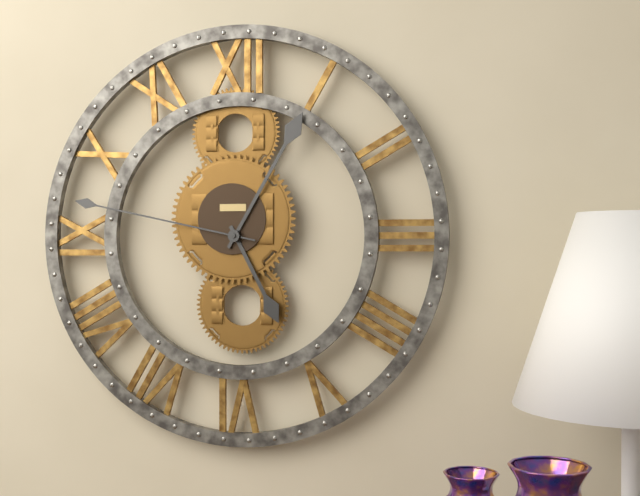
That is 5.05.47
